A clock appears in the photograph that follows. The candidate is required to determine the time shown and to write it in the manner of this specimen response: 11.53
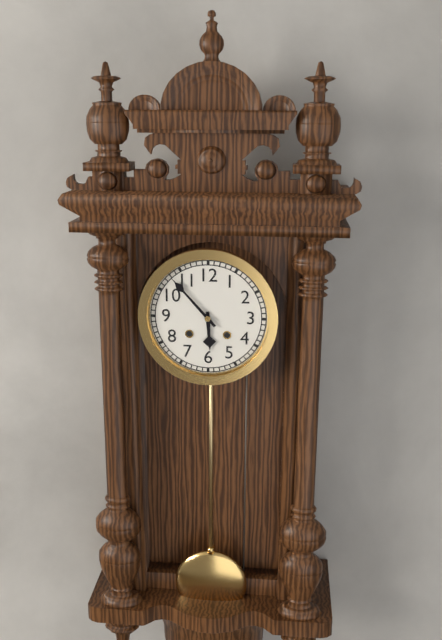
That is 5.53
